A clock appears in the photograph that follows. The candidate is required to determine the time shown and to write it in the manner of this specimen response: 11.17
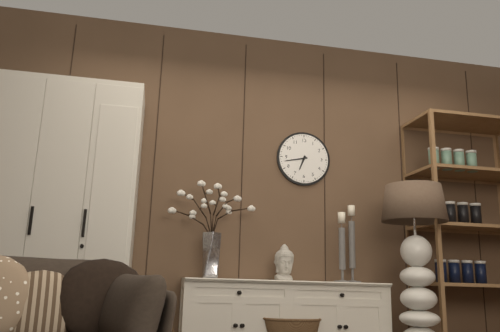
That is 6.43
